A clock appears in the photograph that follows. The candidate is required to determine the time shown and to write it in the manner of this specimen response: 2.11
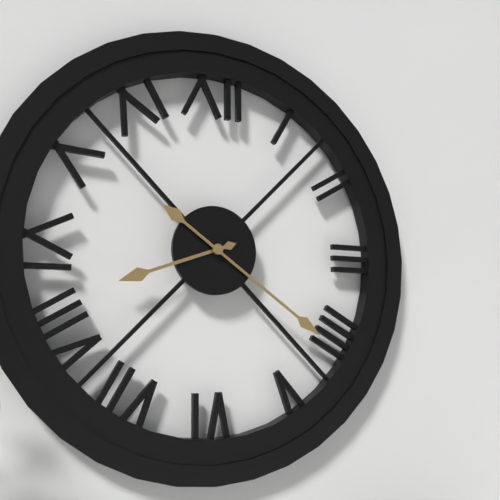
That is 8.21
